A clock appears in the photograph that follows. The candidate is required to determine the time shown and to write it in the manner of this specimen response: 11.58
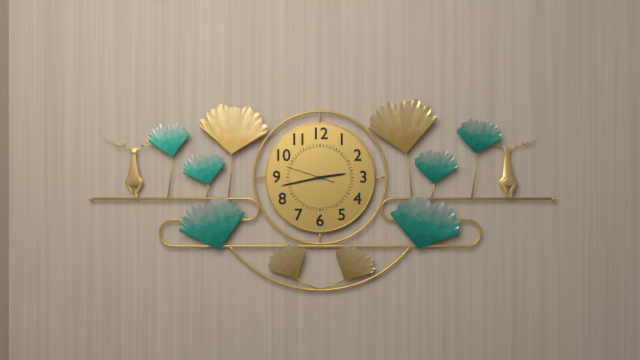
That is 2.43
